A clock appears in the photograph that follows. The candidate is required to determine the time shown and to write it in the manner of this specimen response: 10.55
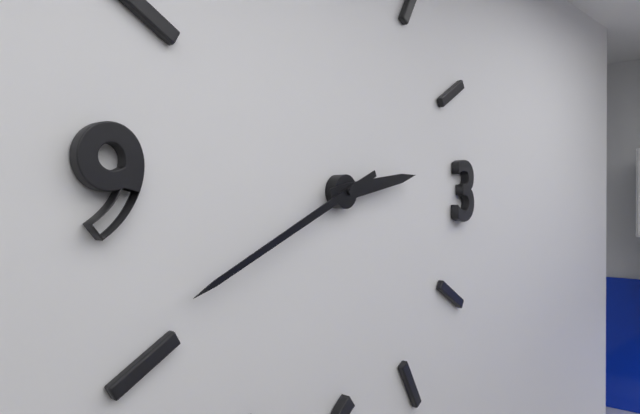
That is 2.41
